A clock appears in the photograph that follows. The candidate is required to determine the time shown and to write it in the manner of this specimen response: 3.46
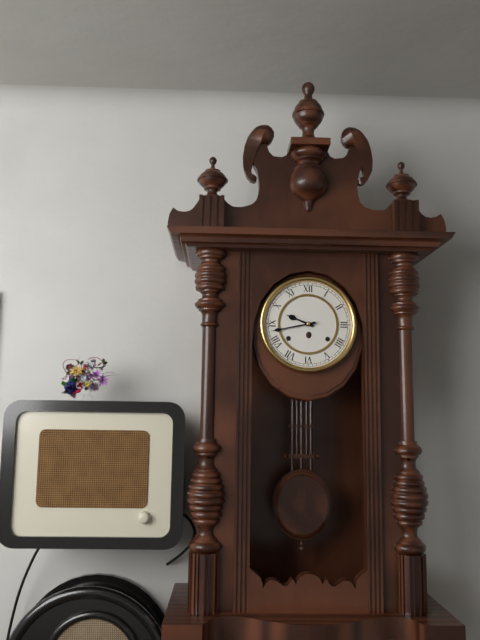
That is 9.43
